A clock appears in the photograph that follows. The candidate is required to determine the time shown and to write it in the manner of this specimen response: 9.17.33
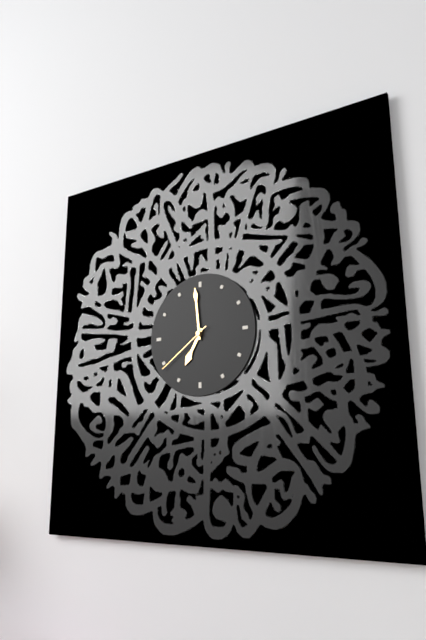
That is 6.59.39
